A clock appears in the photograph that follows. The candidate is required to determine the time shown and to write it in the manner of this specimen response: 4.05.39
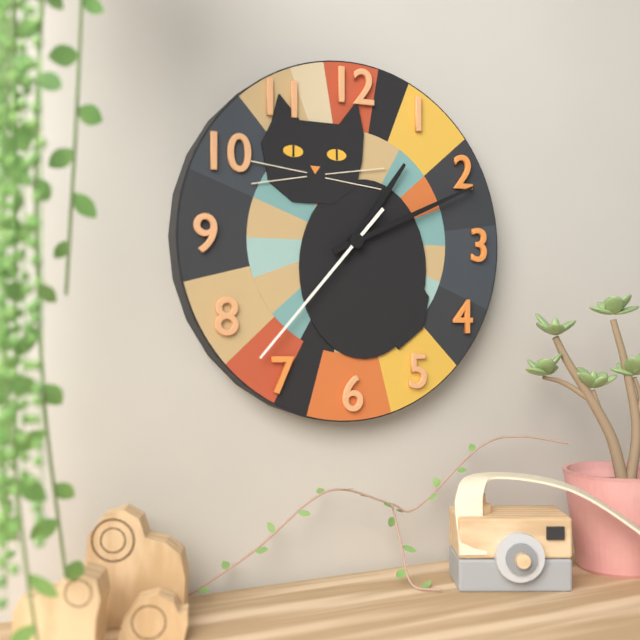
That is 1.11.37
